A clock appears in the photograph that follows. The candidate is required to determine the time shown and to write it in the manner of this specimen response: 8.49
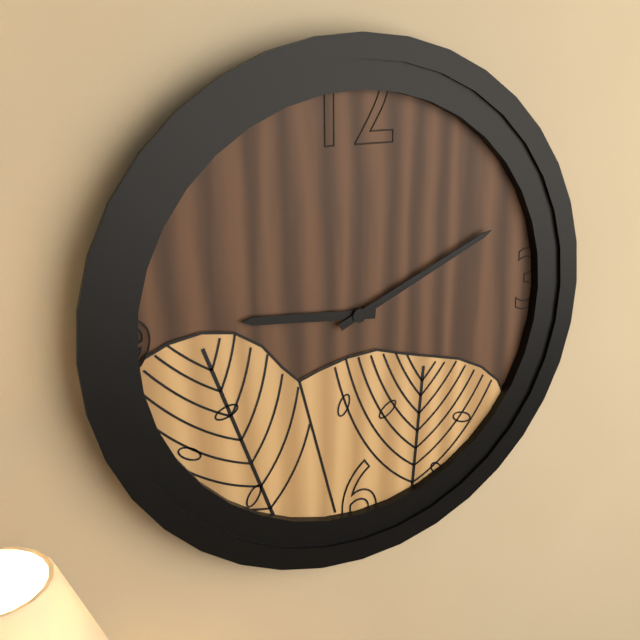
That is 9.11
